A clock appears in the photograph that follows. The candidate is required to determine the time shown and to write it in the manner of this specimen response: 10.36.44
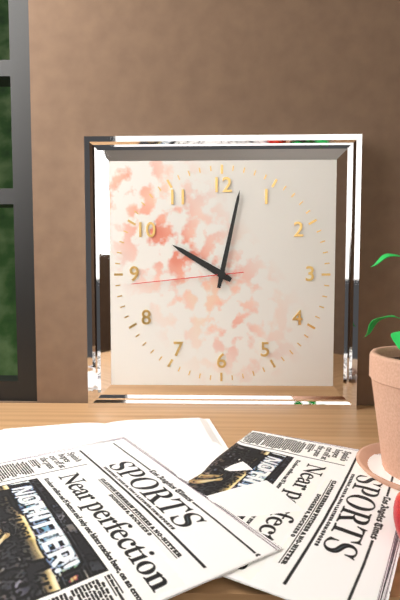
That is 10.02.44
